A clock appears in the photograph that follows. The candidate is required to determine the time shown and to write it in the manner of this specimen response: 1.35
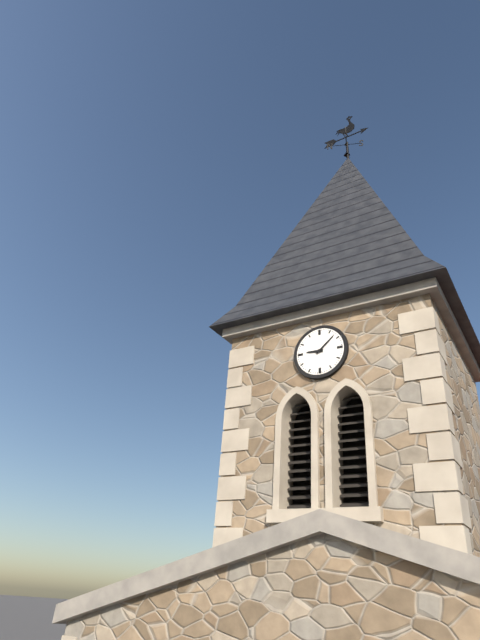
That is 9.08
